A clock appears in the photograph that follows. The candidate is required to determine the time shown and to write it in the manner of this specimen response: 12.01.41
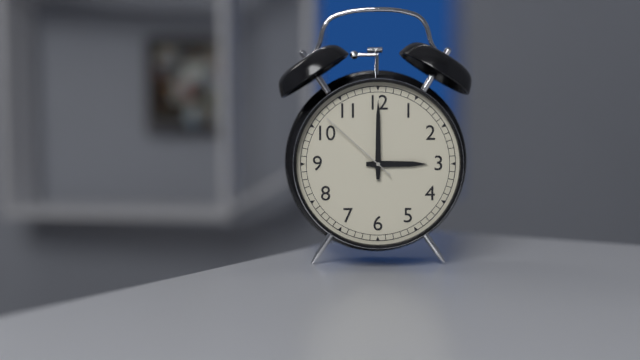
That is 3.00.52
